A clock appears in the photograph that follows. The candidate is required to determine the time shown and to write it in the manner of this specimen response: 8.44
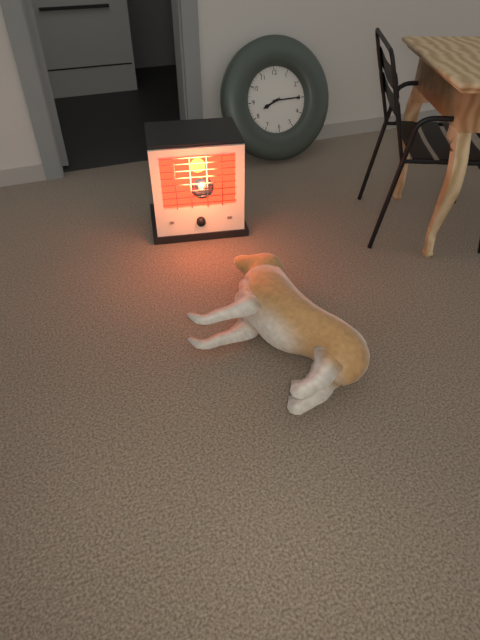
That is 8.15
